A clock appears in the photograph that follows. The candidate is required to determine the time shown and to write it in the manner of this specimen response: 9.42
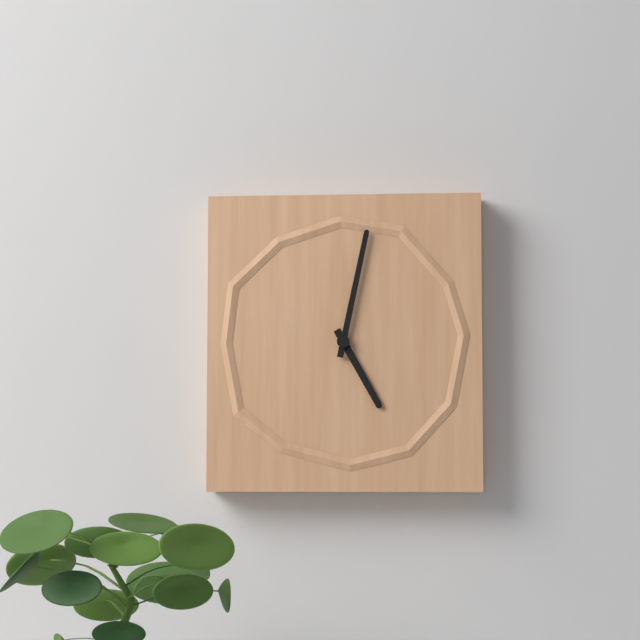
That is 5.02
